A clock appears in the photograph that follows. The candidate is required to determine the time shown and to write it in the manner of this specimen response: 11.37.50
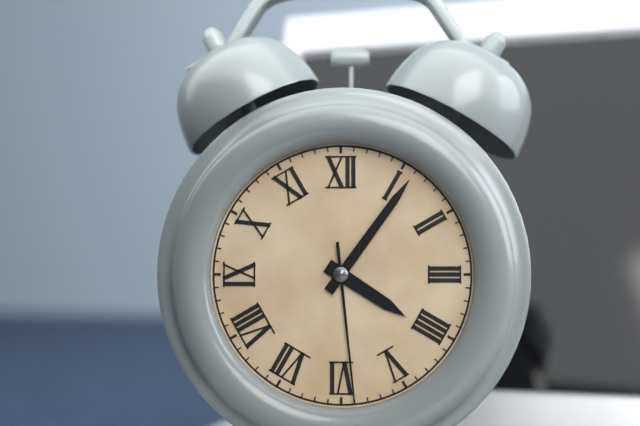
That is 4.06.29
